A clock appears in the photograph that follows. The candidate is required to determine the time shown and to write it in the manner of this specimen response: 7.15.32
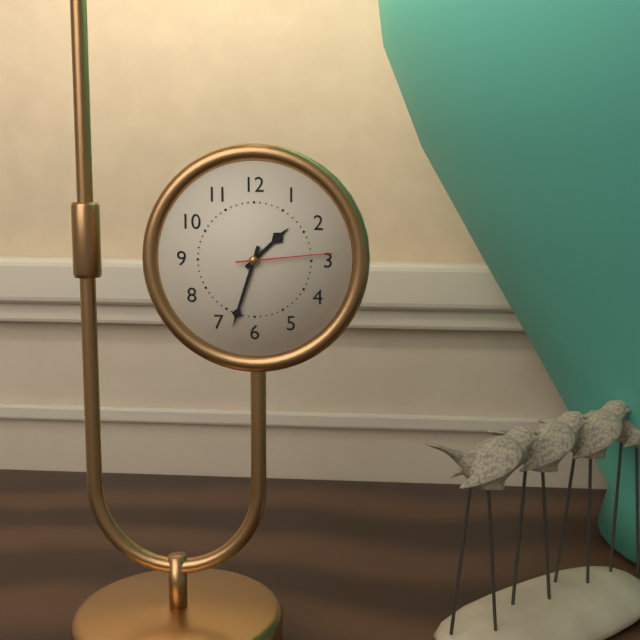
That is 1.33.14
